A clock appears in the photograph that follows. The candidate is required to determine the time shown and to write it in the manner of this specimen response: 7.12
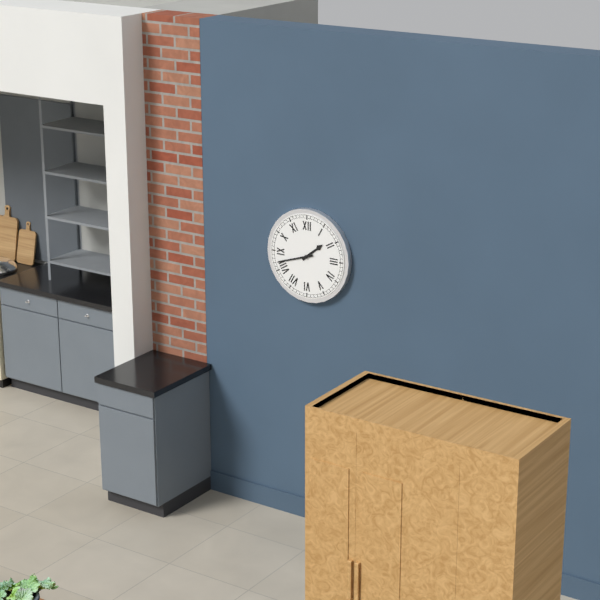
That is 1.42
